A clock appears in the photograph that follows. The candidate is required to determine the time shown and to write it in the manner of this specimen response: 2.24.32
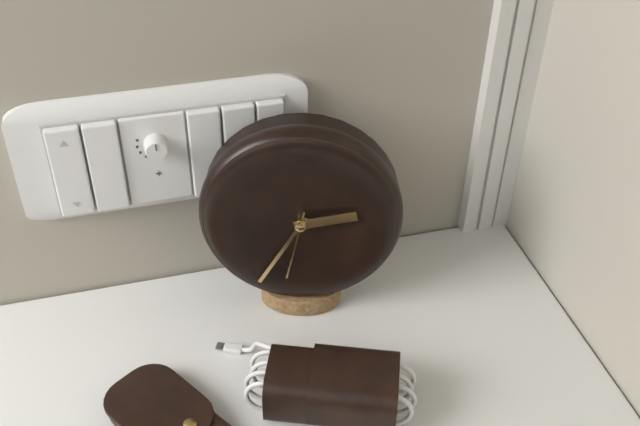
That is 2.35.32
